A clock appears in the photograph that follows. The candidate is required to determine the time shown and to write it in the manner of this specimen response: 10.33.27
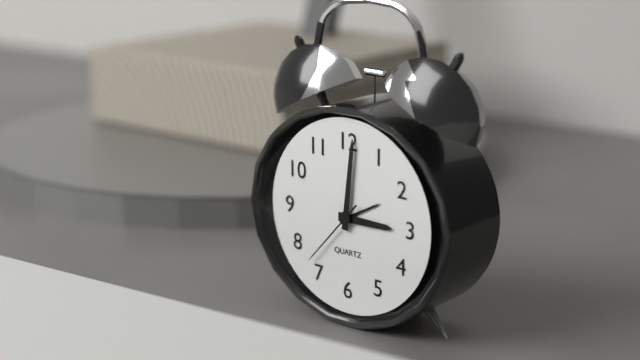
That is 3.01.37
